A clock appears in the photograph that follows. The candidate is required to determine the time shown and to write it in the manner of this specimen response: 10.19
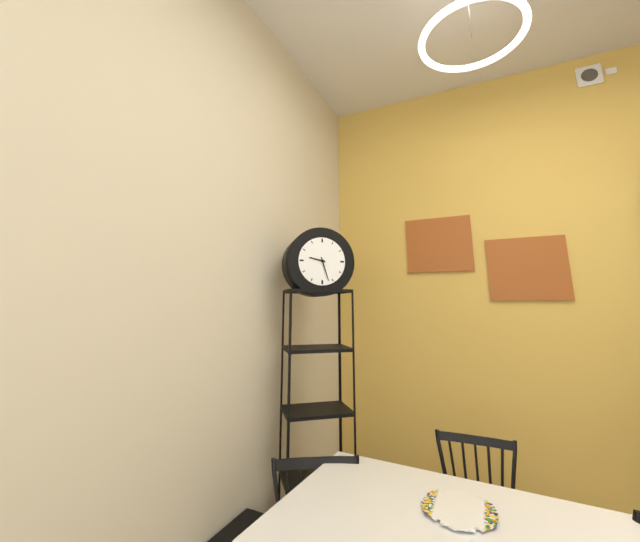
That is 9.27
